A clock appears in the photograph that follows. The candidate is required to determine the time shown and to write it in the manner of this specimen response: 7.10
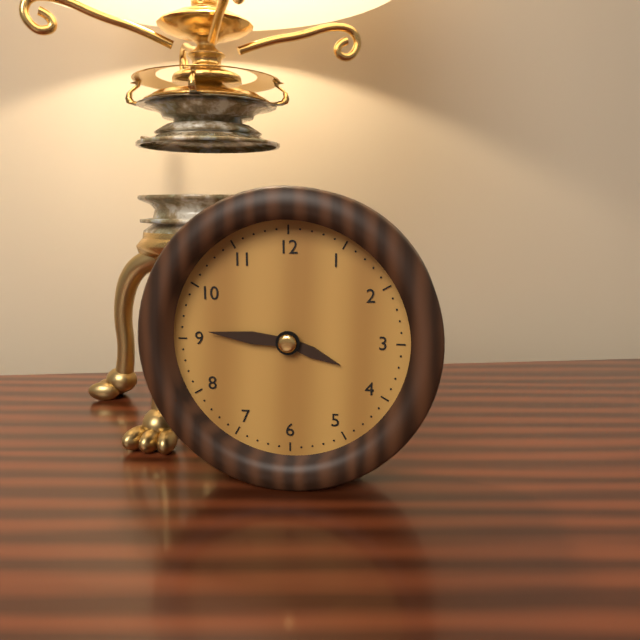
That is 3.46
